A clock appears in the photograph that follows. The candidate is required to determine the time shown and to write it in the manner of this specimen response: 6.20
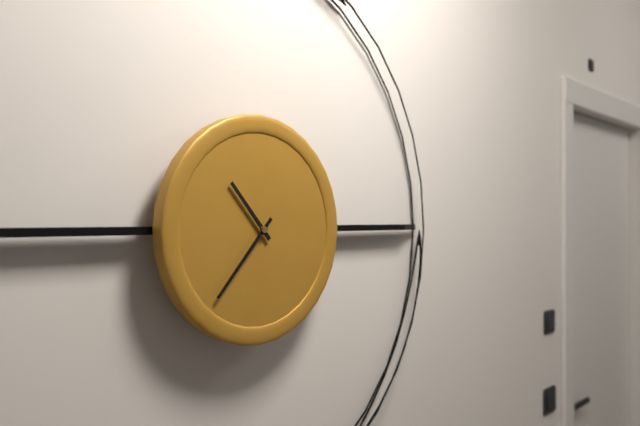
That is 10.37
